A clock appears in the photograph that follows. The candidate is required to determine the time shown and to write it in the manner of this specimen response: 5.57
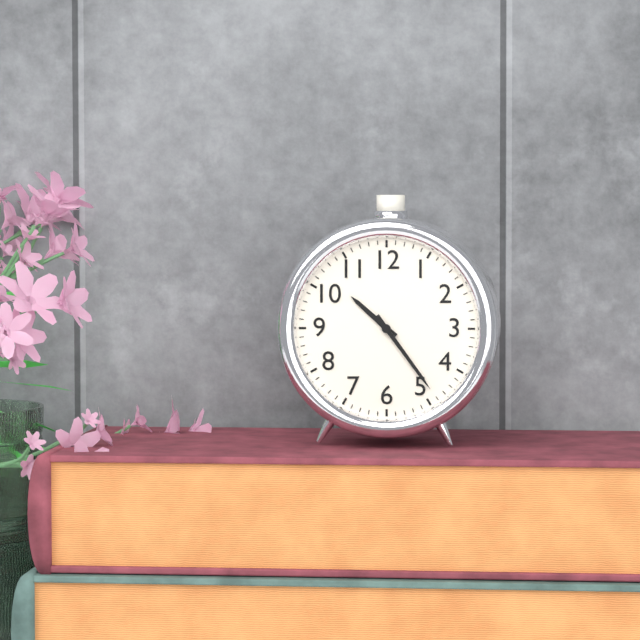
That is 10.24
